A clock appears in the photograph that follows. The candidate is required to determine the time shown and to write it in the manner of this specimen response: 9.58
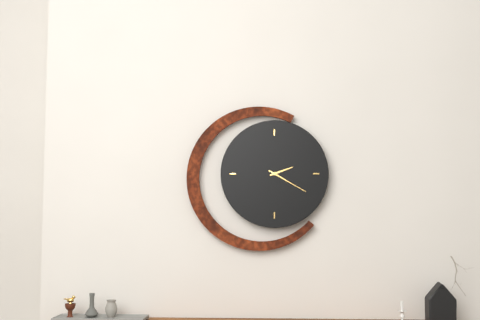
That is 2.20
